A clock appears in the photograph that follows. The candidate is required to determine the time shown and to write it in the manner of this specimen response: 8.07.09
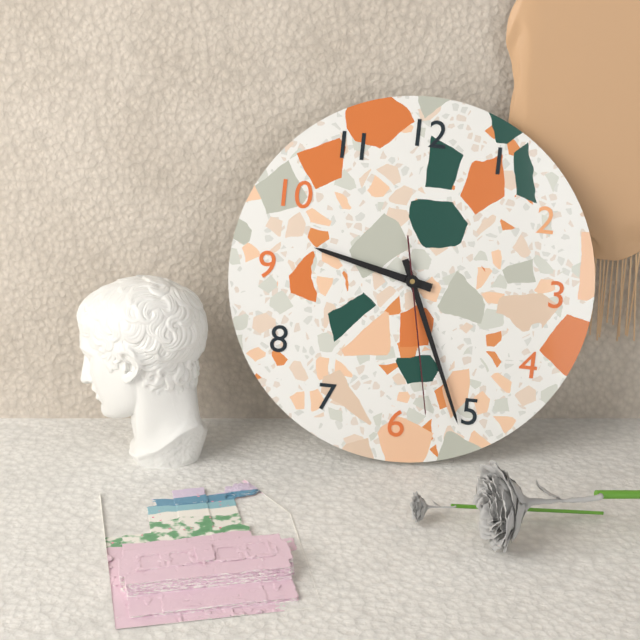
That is 9.26.28
